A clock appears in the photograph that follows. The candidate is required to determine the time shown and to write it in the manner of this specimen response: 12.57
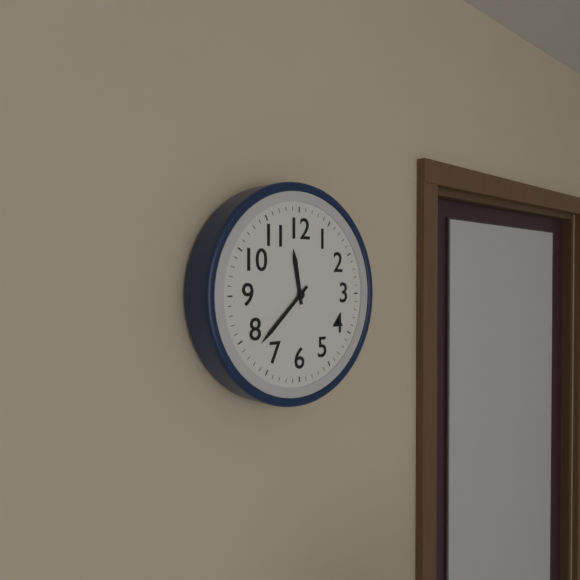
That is 11.38
